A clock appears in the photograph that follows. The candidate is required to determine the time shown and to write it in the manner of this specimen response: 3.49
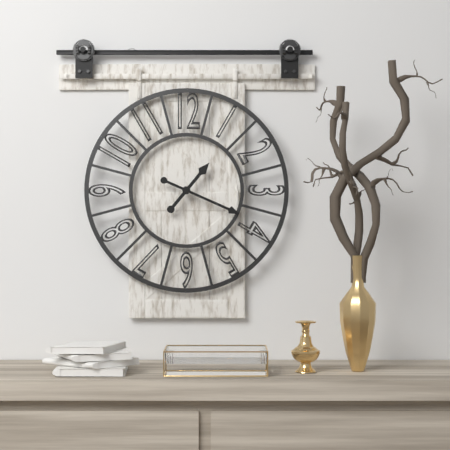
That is 1.19
